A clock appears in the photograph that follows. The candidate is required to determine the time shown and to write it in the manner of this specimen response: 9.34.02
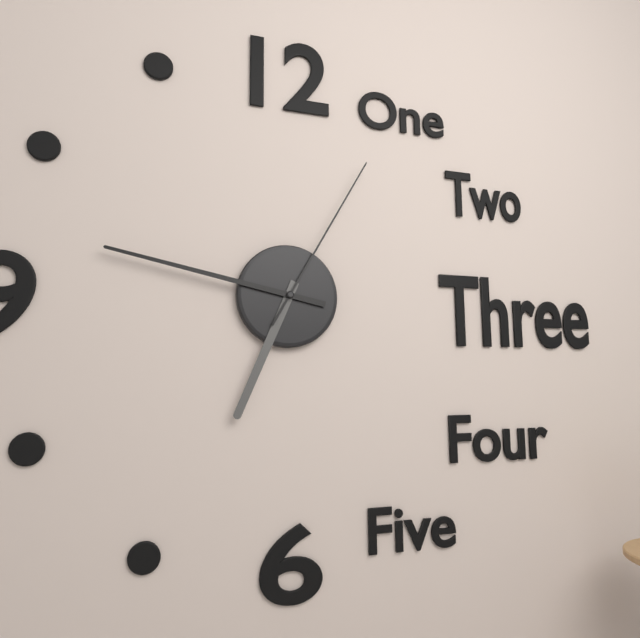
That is 6.47.05
